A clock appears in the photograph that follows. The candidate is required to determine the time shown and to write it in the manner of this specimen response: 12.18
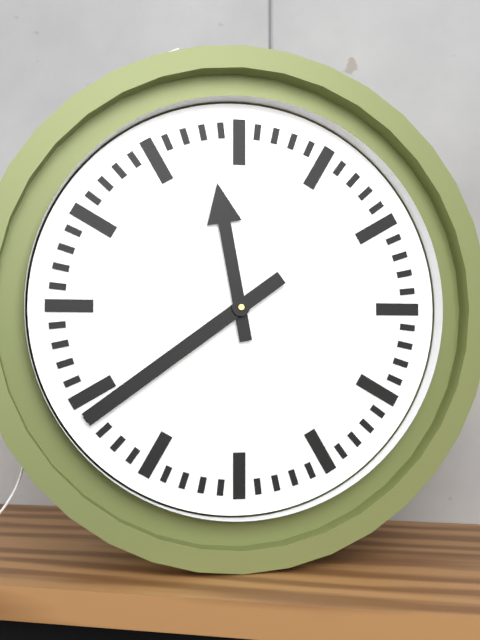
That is 11.39
